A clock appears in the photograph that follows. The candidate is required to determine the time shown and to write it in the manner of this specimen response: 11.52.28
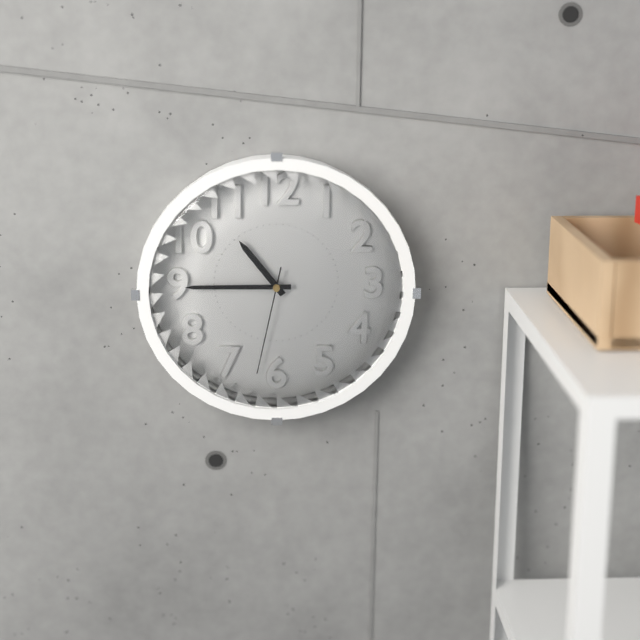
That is 10.45.32
